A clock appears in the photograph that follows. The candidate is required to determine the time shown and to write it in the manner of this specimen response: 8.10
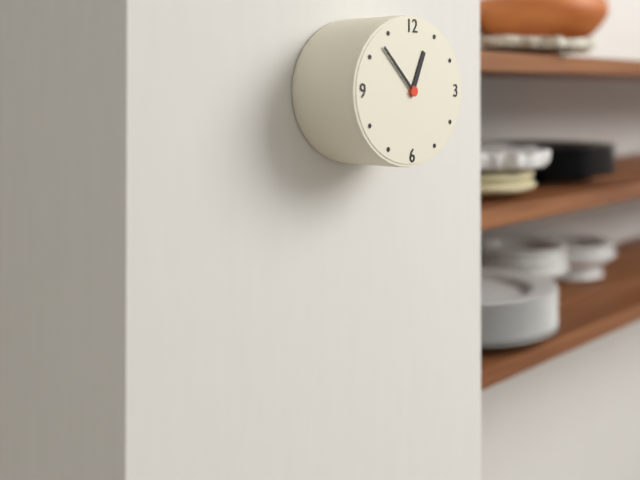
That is 12.52
